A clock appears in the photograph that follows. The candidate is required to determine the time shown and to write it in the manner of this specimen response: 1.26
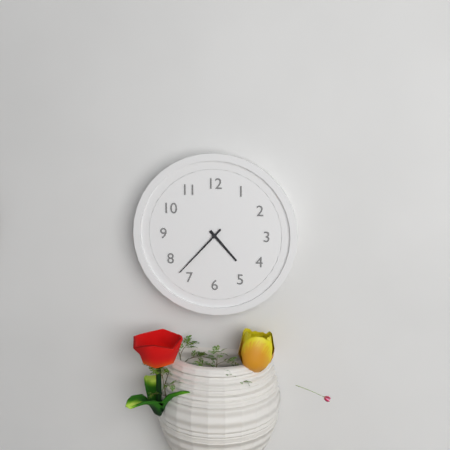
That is 4.37
